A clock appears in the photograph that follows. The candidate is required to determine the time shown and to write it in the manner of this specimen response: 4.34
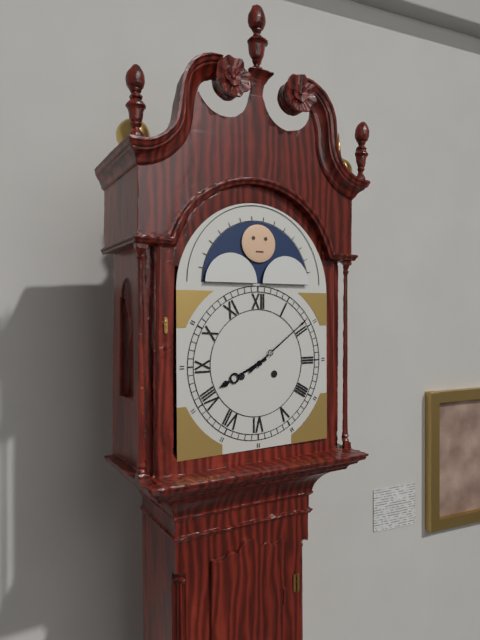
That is 8.09
